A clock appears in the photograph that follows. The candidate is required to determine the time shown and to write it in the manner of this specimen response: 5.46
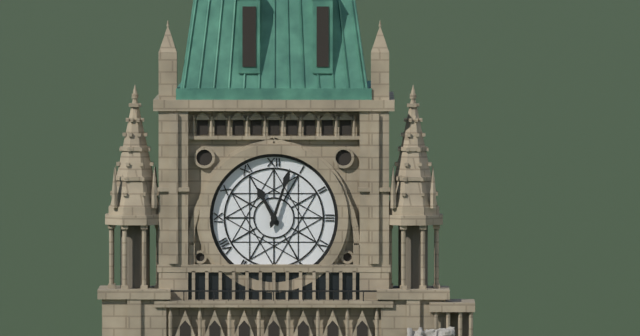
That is 11.03
